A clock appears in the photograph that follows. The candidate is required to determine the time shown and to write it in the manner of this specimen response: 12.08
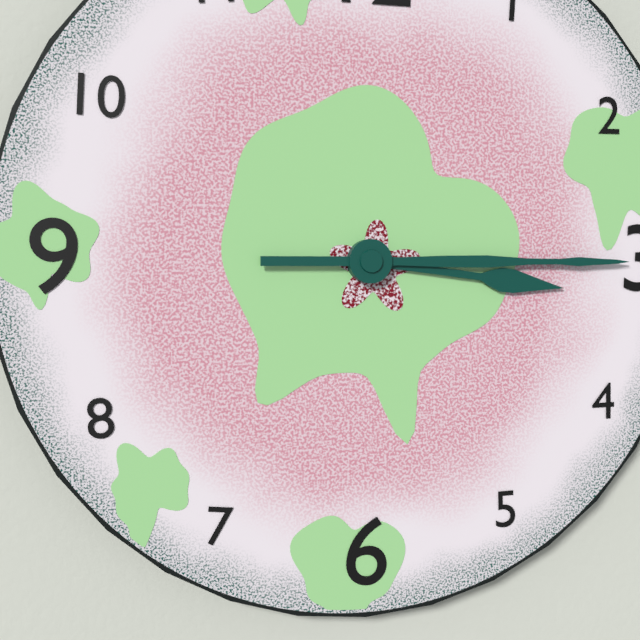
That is 3.15
